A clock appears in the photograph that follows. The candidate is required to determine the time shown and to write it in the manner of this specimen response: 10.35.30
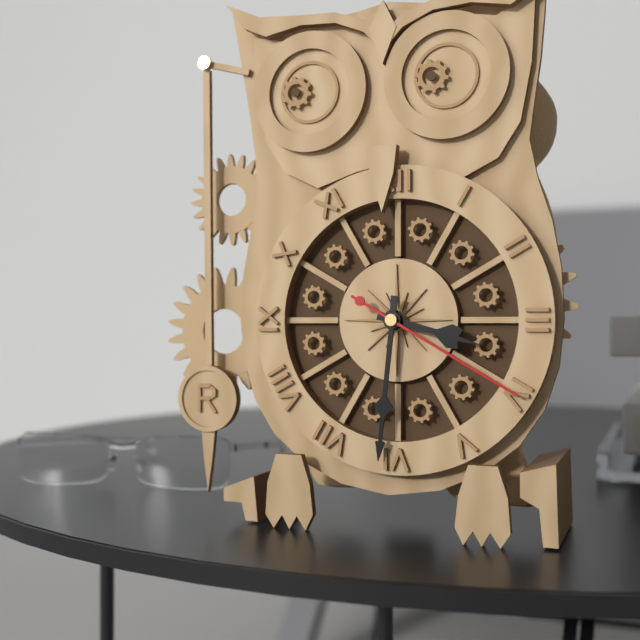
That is 3.31.20
